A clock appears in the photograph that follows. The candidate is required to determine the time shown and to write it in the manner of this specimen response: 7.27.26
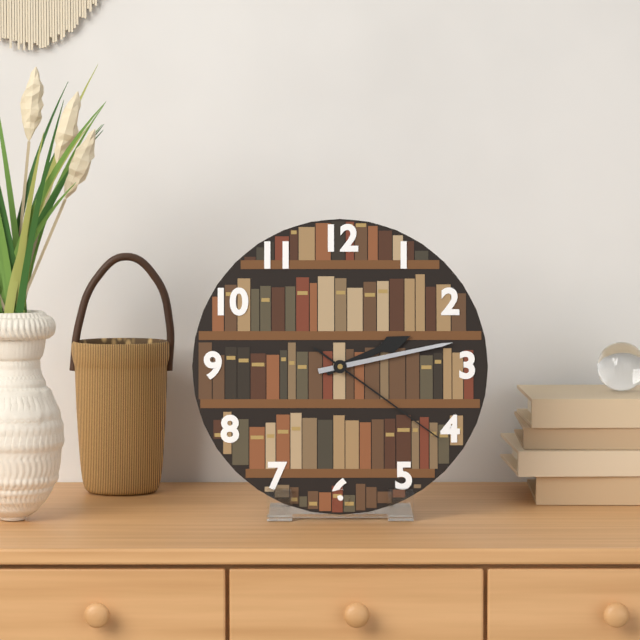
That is 2.13.21
